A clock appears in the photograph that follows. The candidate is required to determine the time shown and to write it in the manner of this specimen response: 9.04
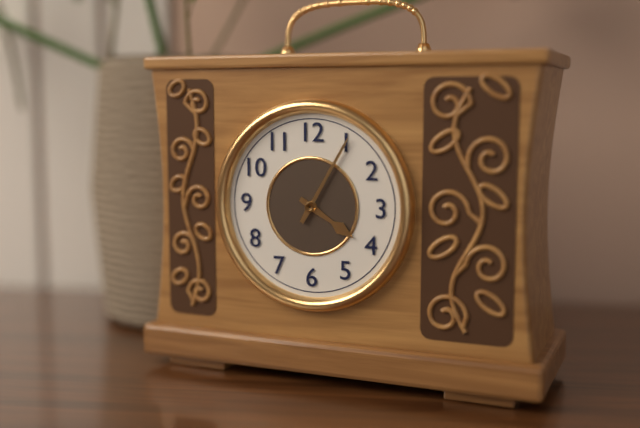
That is 4.05
